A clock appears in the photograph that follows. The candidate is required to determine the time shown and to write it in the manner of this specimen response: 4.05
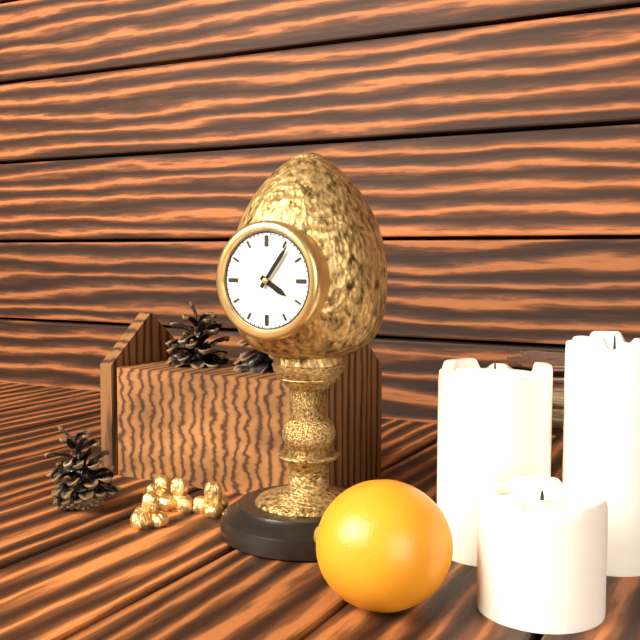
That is 4.06
